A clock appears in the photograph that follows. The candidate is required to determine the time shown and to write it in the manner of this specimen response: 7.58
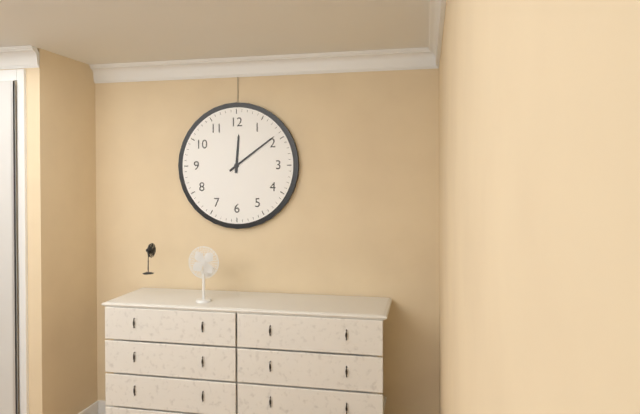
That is 12.09
